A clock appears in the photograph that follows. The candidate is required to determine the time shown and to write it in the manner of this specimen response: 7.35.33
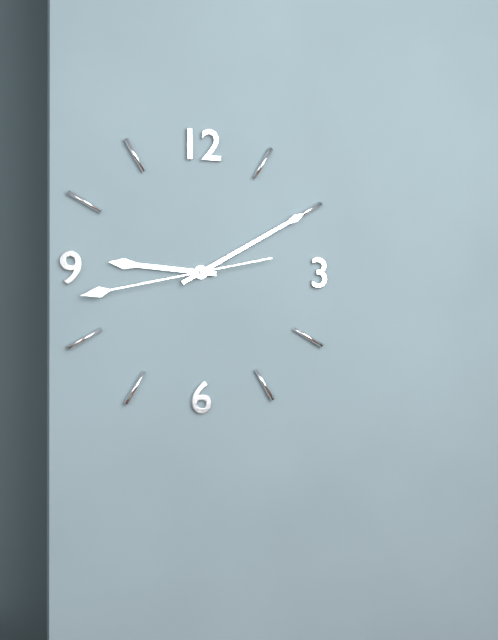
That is 9.10.43
